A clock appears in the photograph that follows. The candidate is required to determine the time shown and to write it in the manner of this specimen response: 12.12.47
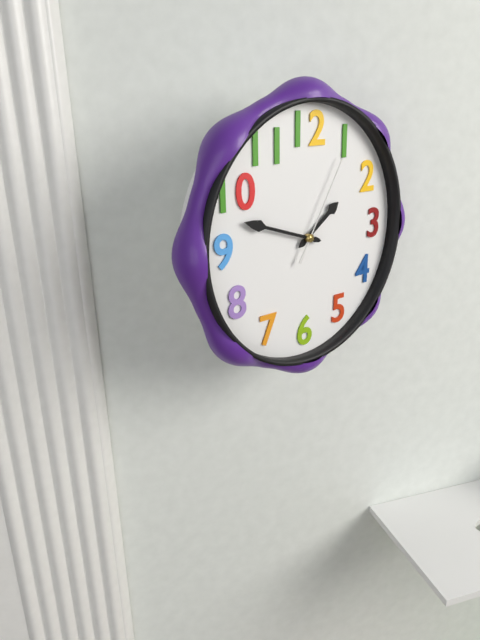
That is 1.48.05
